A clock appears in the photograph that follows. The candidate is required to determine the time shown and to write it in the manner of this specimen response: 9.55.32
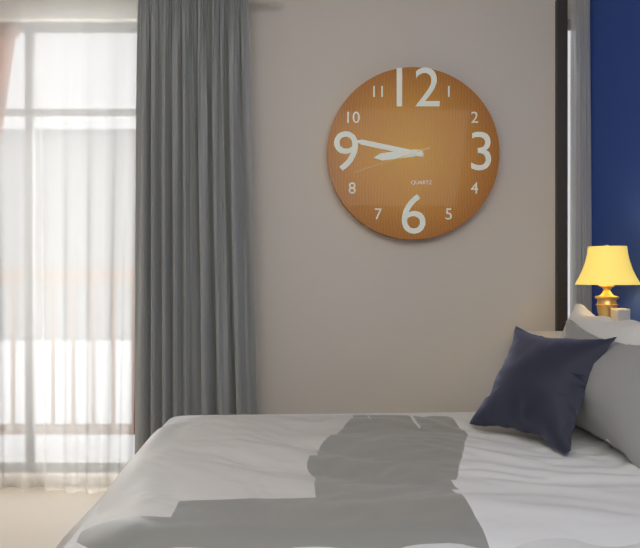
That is 8.47.42
